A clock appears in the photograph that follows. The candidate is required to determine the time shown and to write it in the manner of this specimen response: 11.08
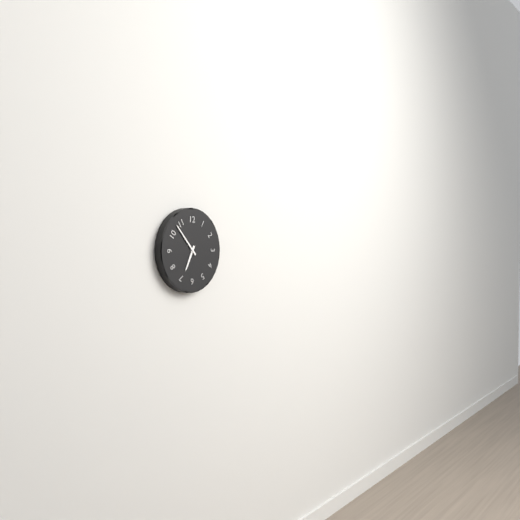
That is 6.53
